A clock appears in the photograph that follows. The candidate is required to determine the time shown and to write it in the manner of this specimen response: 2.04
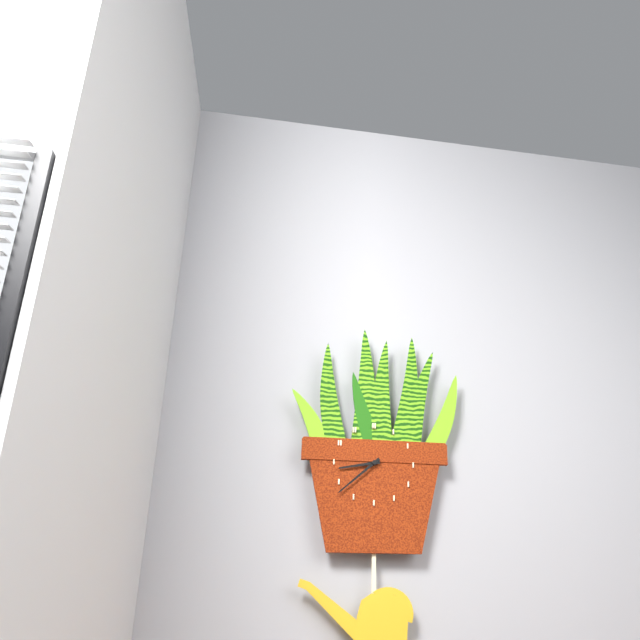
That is 8.38
